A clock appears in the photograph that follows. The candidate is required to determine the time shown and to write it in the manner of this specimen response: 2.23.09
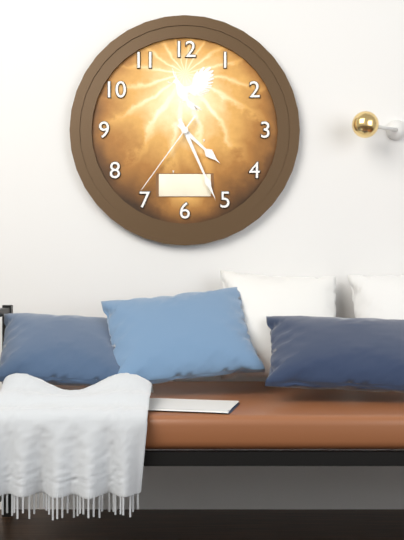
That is 4.26.36
